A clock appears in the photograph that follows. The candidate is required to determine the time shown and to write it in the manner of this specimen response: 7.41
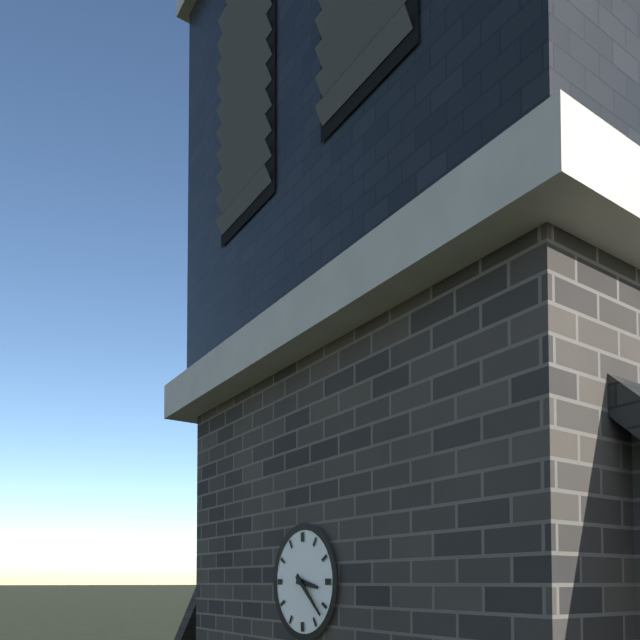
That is 3.22
